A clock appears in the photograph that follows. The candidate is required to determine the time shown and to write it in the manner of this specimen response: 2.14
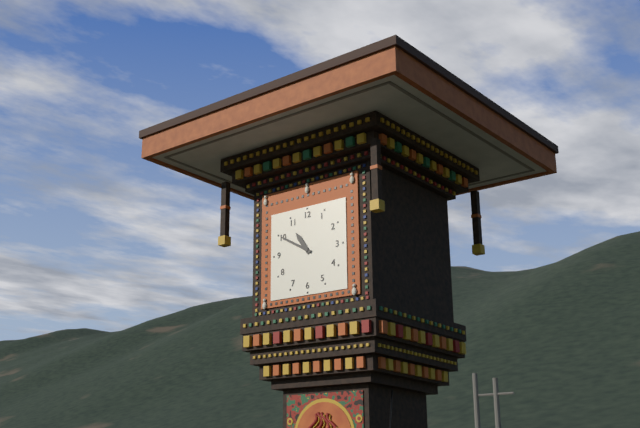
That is 10.50
